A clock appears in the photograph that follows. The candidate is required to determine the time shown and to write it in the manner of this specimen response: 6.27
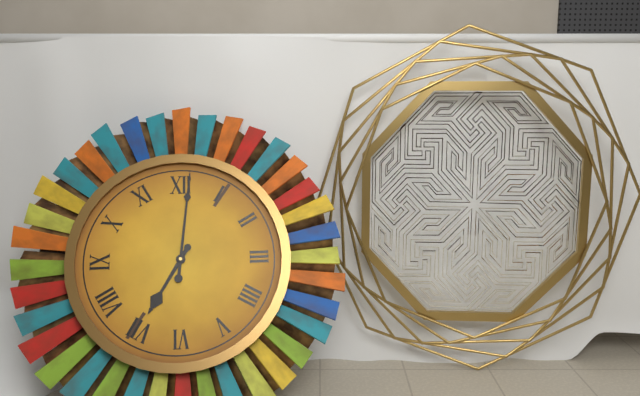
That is 7.01
